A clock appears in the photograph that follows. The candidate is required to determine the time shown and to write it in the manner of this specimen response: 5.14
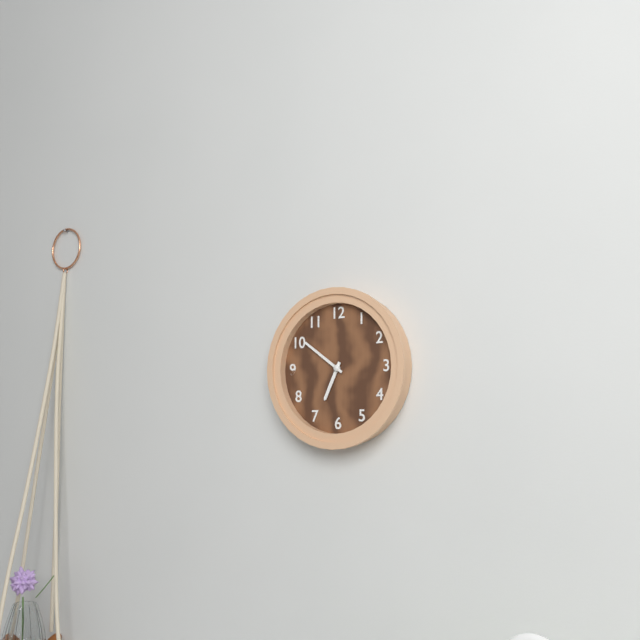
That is 6.51
